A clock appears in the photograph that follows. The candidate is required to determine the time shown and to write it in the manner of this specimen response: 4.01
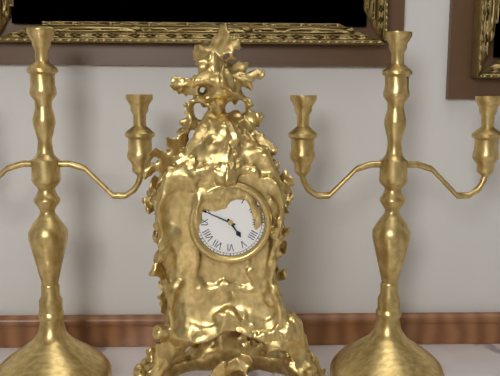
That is 4.49
